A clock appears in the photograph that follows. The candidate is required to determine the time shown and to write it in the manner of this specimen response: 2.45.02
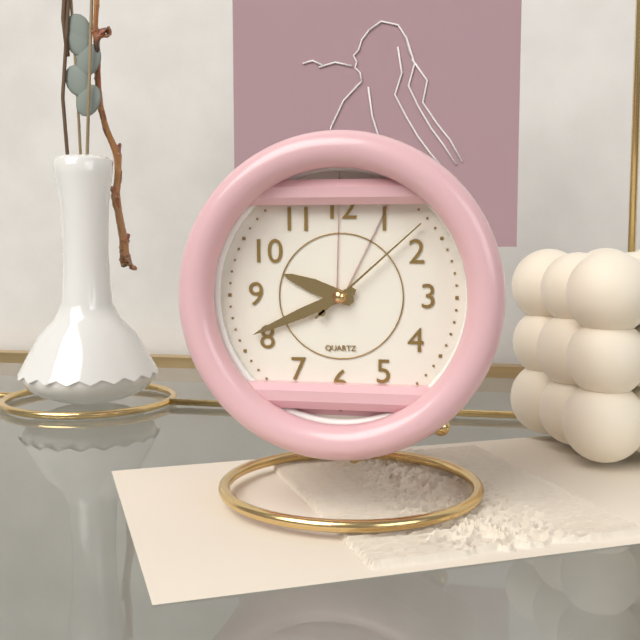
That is 9.41.08
